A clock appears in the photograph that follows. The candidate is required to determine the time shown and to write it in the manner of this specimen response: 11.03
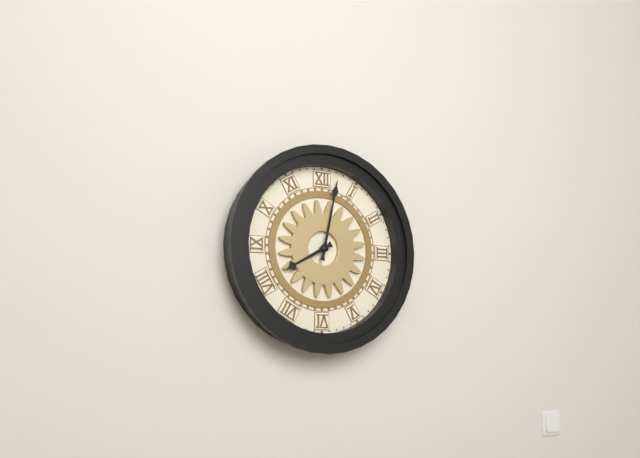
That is 8.02
